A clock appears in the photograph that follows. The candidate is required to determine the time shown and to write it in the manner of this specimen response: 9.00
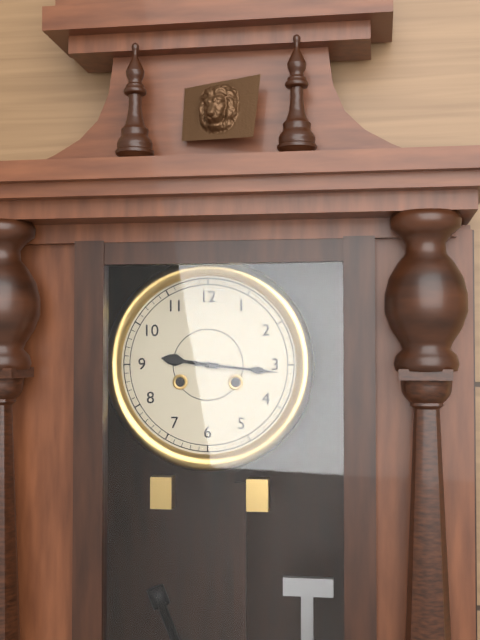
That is 9.16
